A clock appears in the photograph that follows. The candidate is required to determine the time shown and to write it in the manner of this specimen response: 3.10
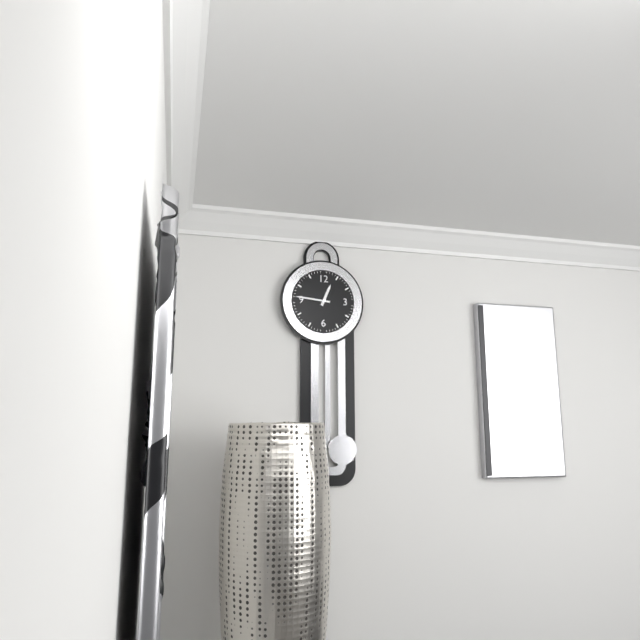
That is 12.46
